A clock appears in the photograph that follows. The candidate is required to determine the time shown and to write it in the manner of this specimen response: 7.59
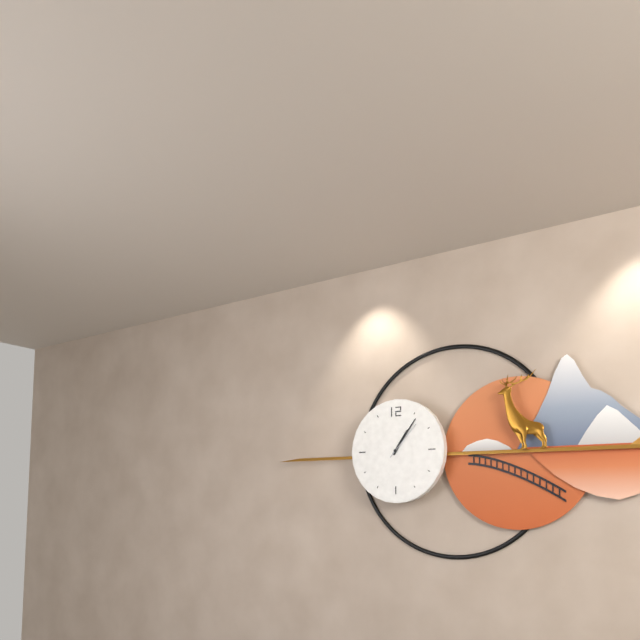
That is 1.06
